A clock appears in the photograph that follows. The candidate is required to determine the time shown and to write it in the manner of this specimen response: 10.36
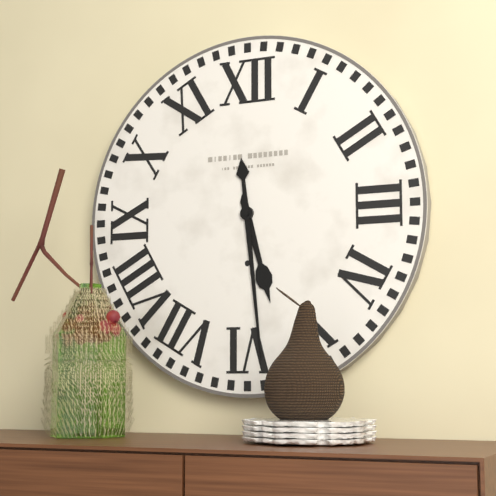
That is 5.29
